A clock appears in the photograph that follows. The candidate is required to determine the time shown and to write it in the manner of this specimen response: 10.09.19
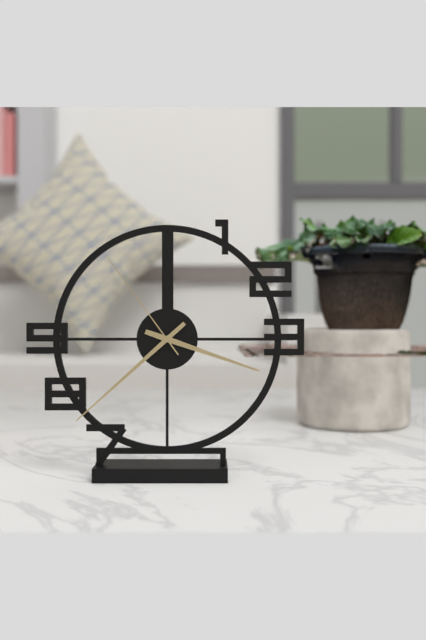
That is 3.38.54
